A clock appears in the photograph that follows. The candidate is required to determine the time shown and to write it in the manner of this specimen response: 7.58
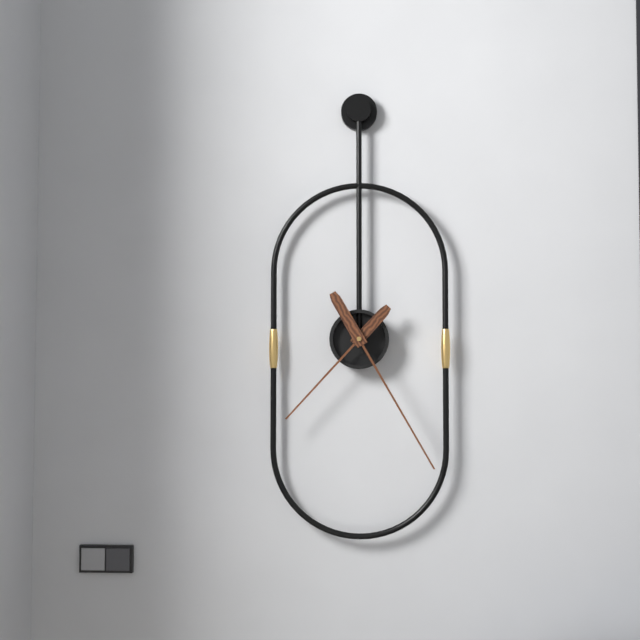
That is 7.25
